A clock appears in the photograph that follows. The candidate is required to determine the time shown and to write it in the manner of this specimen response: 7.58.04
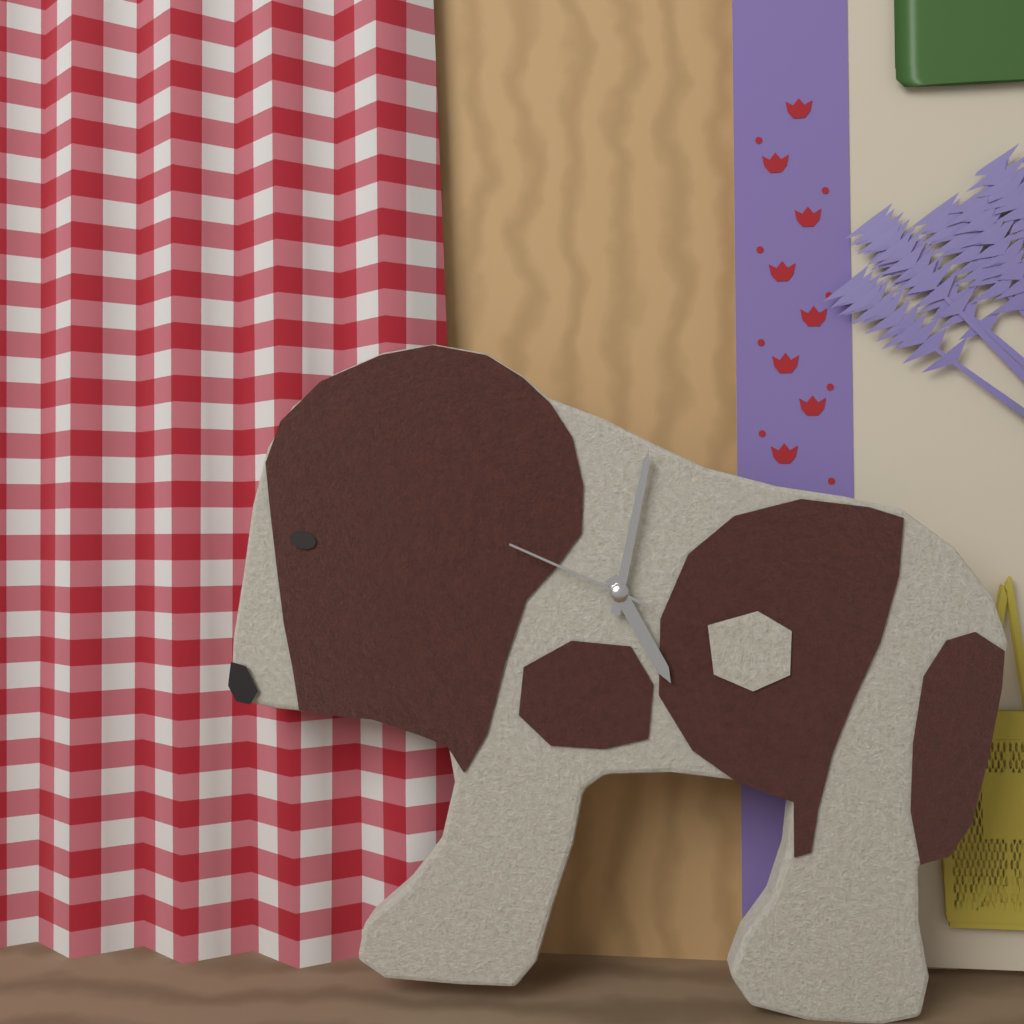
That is 5.02.49
